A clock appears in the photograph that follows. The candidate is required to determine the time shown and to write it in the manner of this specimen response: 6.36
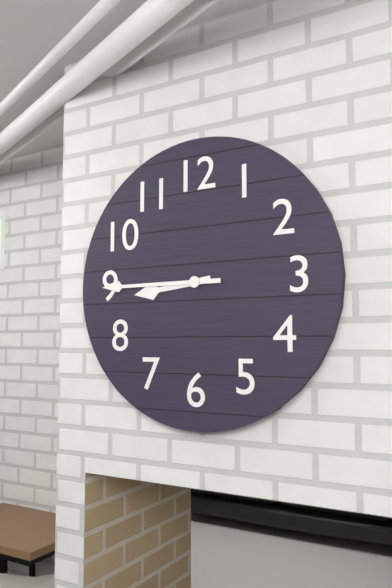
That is 8.45
